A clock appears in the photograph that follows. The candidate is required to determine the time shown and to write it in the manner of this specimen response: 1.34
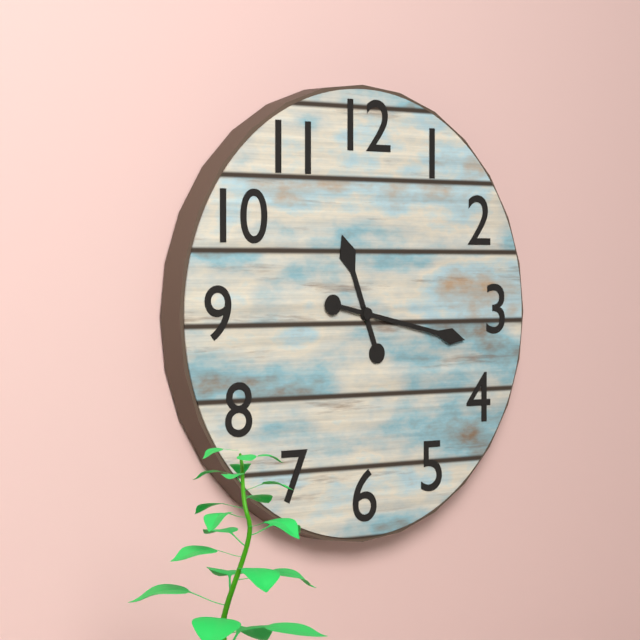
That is 11.17
